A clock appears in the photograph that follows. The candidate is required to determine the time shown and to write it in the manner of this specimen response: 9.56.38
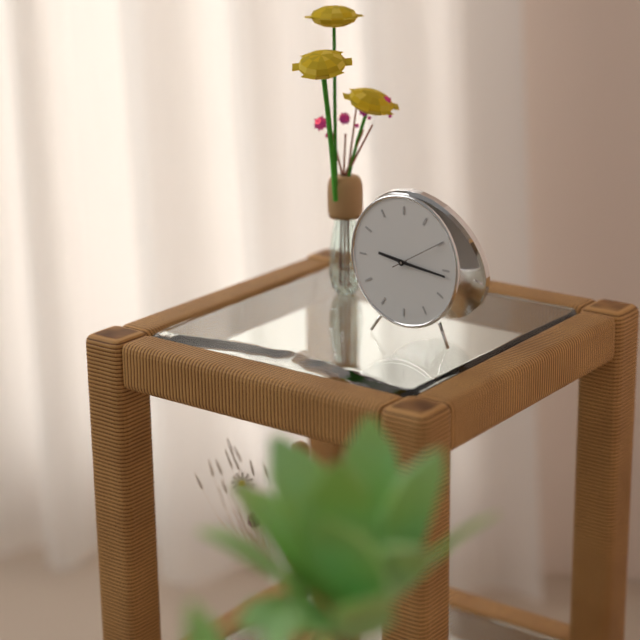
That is 9.16.10
